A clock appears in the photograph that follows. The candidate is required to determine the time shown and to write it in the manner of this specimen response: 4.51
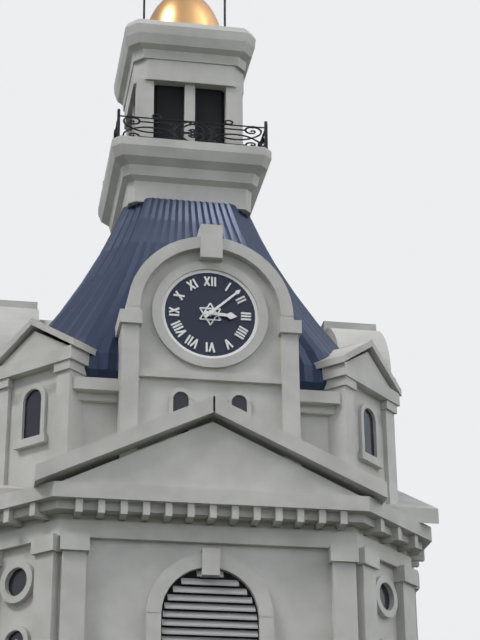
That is 3.08
